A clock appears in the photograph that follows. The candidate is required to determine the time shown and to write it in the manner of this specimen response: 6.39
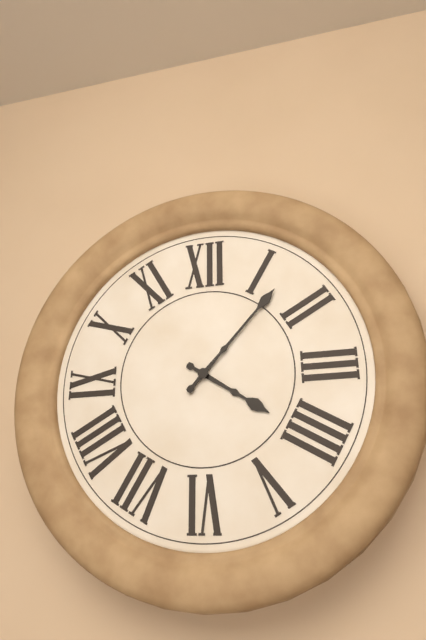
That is 4.07
